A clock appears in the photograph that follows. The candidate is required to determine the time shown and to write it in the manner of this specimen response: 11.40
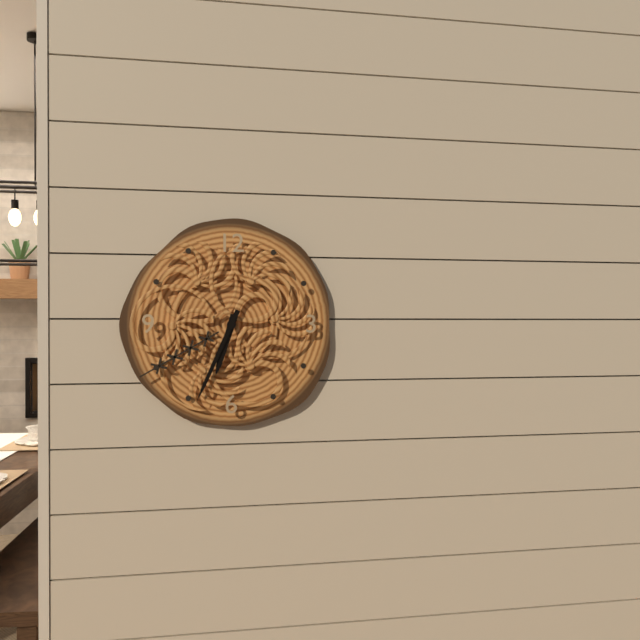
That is 6.34
